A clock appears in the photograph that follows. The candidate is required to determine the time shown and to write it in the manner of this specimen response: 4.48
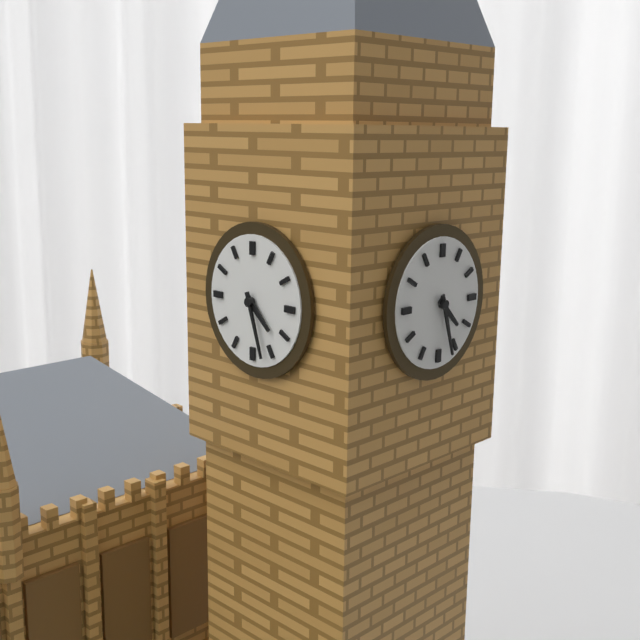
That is 4.27
